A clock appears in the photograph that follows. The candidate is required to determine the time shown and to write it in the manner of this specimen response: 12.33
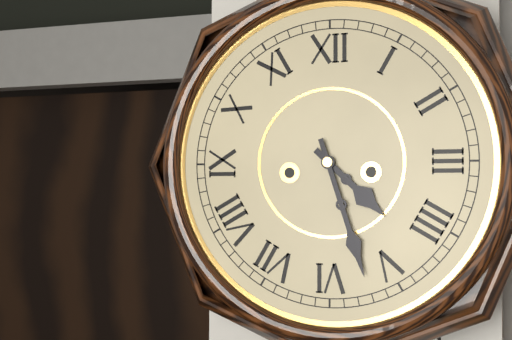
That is 4.27
